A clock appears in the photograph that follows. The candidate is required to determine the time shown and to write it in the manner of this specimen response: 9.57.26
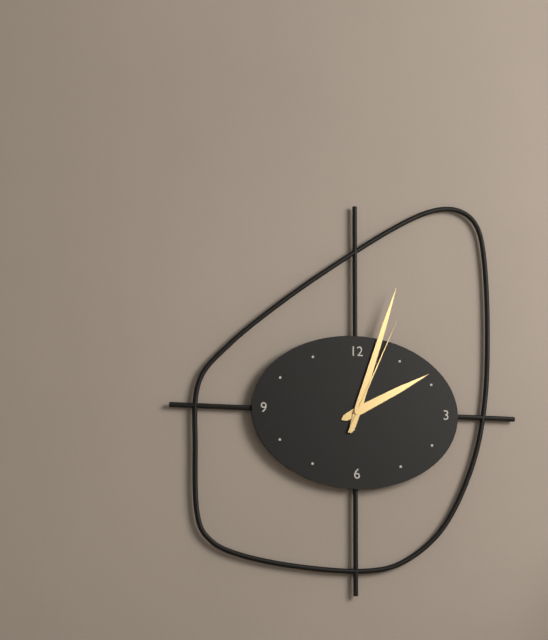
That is 2.03.04
